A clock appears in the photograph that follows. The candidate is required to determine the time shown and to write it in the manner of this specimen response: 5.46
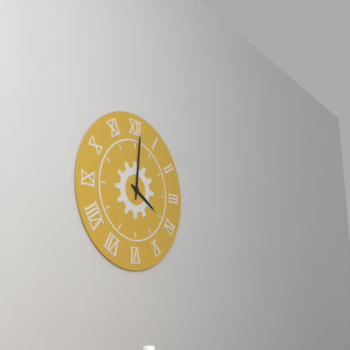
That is 4.01
